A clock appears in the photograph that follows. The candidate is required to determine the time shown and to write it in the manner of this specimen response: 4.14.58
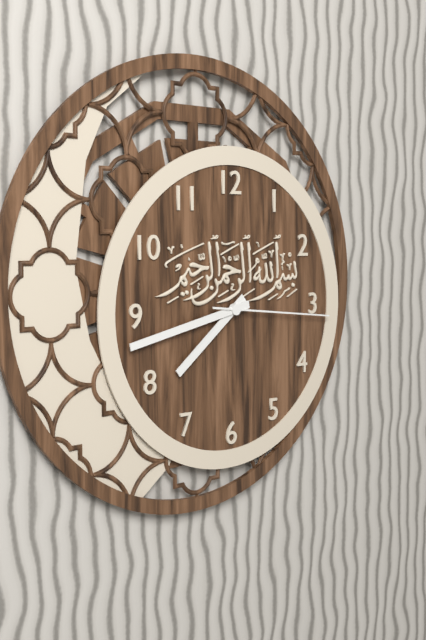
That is 7.43.16
